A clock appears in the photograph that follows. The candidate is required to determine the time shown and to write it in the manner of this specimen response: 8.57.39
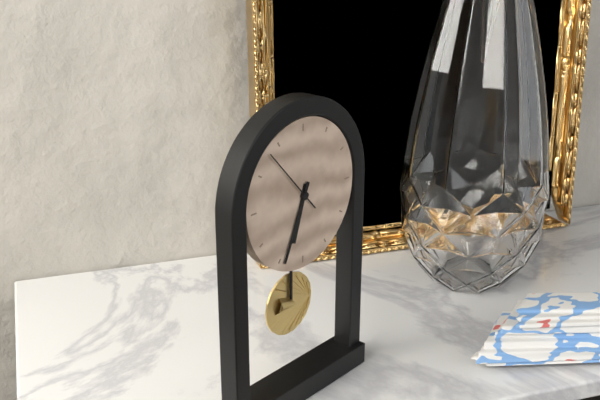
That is 6.34.53
